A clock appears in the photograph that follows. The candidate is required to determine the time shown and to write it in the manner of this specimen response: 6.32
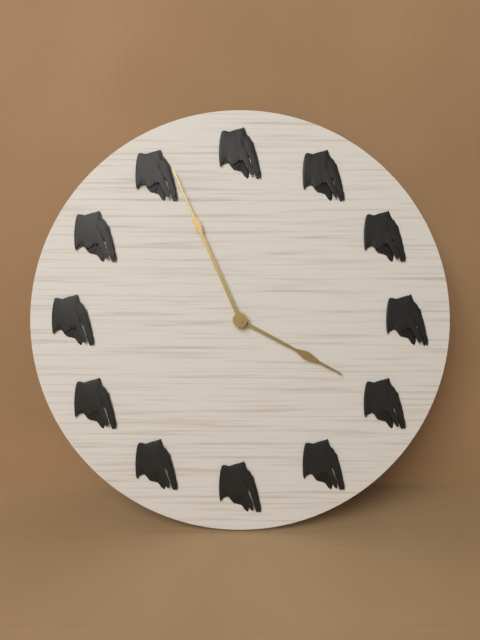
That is 3.56
